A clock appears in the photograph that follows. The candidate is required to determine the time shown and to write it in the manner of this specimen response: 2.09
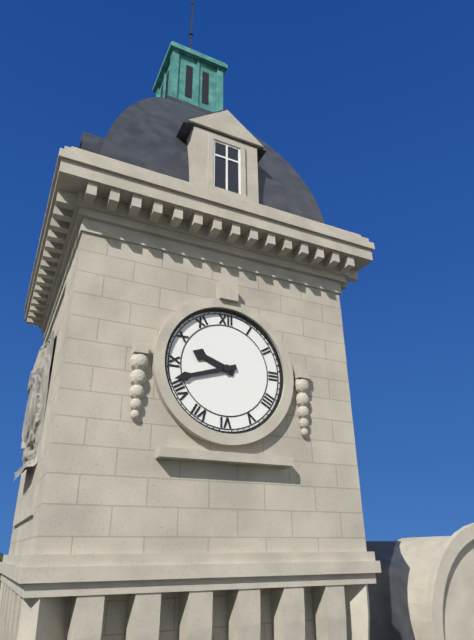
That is 9.42
